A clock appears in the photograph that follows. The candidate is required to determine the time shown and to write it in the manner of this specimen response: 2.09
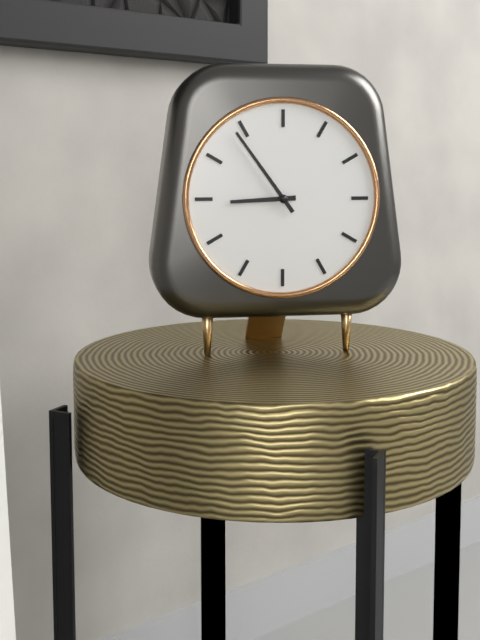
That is 8.54
